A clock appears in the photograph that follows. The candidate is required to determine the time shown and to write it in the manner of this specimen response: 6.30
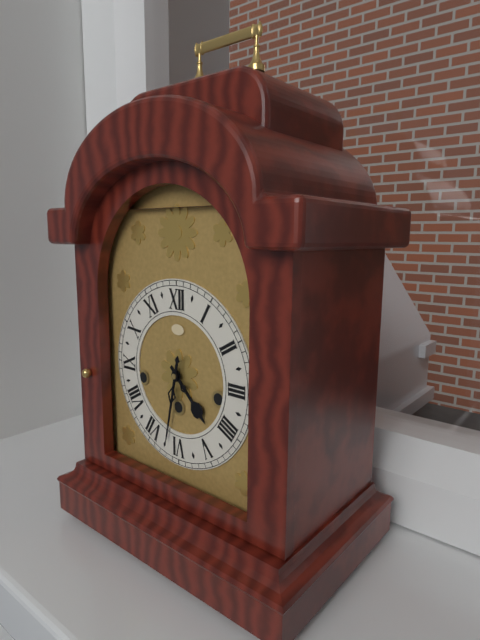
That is 4.32
